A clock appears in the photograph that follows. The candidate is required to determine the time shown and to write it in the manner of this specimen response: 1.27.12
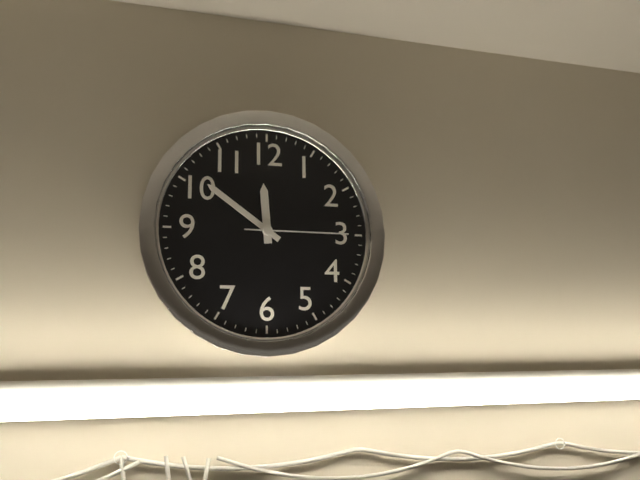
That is 11.51.15
